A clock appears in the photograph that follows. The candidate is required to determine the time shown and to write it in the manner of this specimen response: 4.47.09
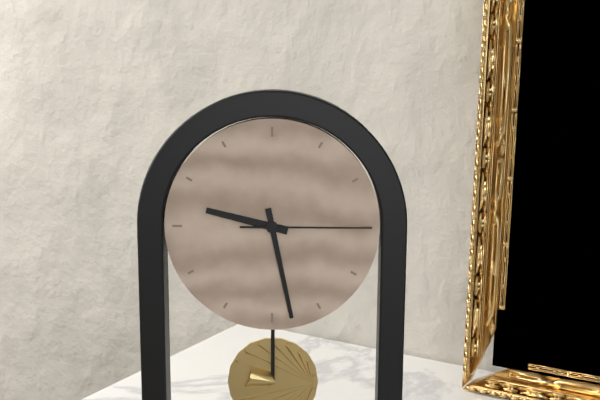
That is 9.28.15
